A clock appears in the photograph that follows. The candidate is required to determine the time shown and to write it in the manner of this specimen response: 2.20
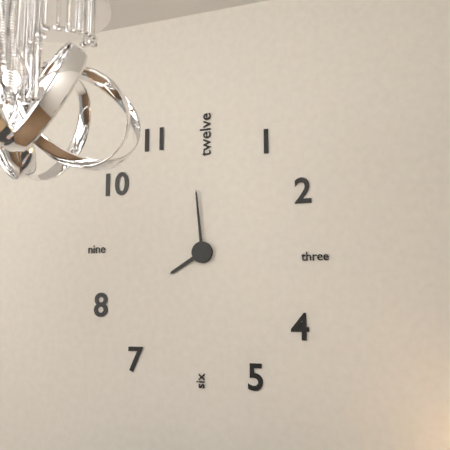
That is 7.59
